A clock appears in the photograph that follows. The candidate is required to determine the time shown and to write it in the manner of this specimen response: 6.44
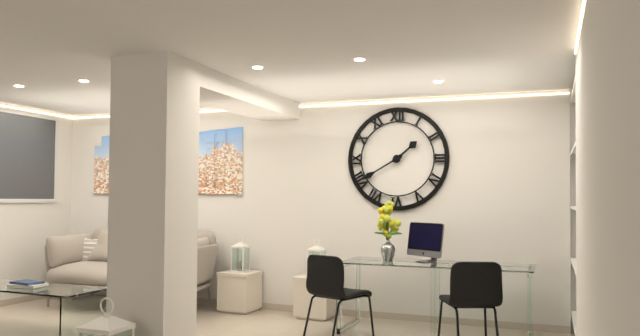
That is 1.40
